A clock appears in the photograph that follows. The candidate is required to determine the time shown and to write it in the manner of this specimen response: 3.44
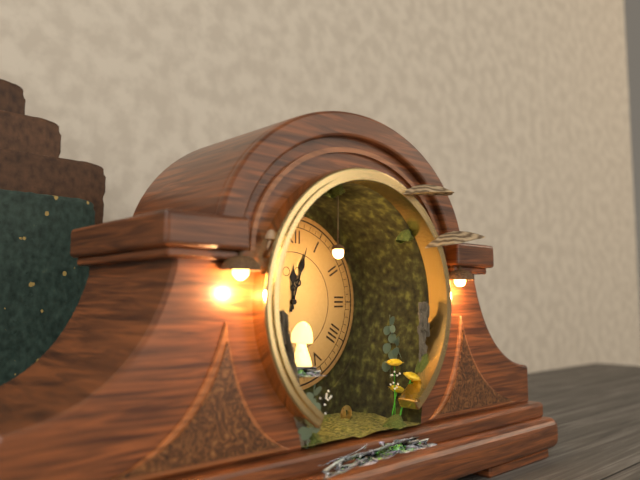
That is 12.03
